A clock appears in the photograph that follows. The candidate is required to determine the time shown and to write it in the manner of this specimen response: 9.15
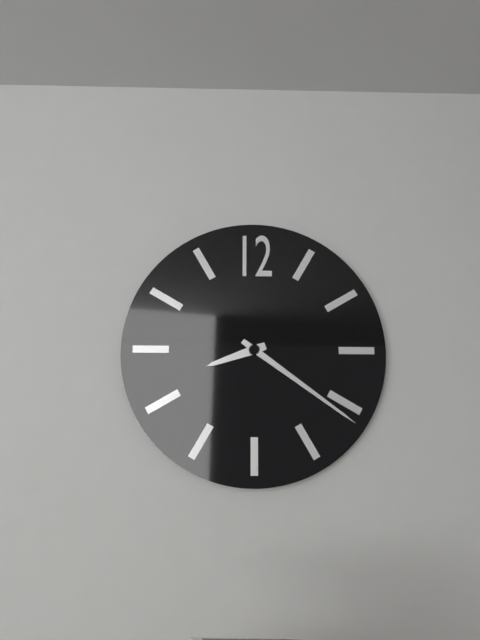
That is 8.21
